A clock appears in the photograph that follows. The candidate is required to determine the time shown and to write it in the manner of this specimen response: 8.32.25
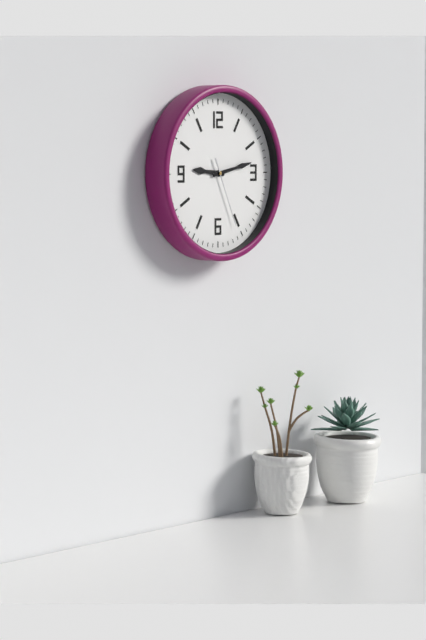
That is 9.13.26
